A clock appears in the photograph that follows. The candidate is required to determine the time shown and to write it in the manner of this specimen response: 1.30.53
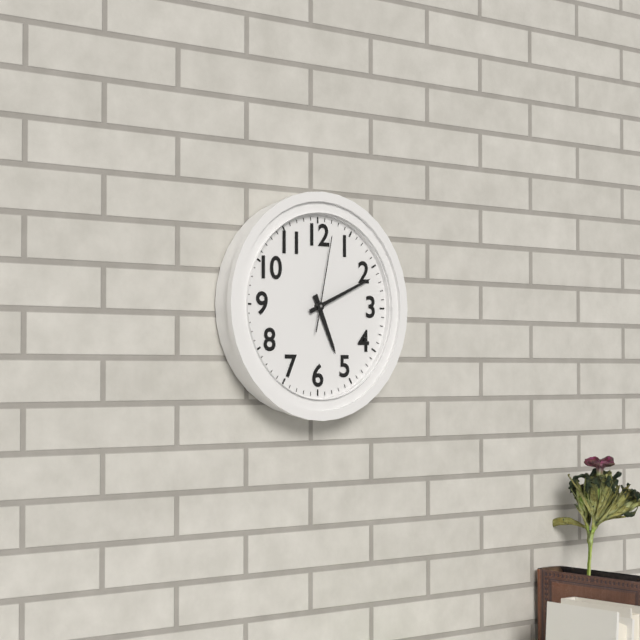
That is 5.11.02
